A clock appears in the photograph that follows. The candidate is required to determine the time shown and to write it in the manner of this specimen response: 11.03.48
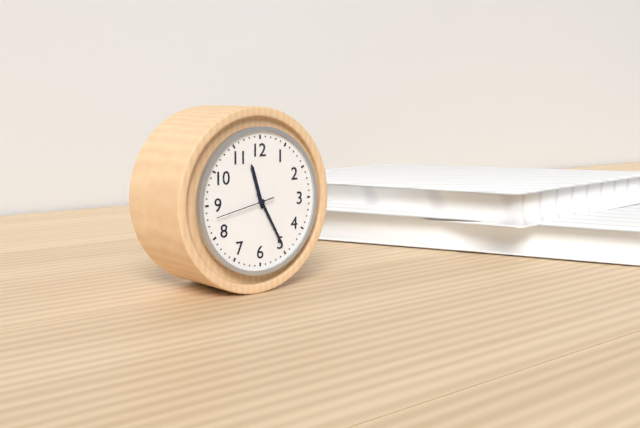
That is 11.25.43
